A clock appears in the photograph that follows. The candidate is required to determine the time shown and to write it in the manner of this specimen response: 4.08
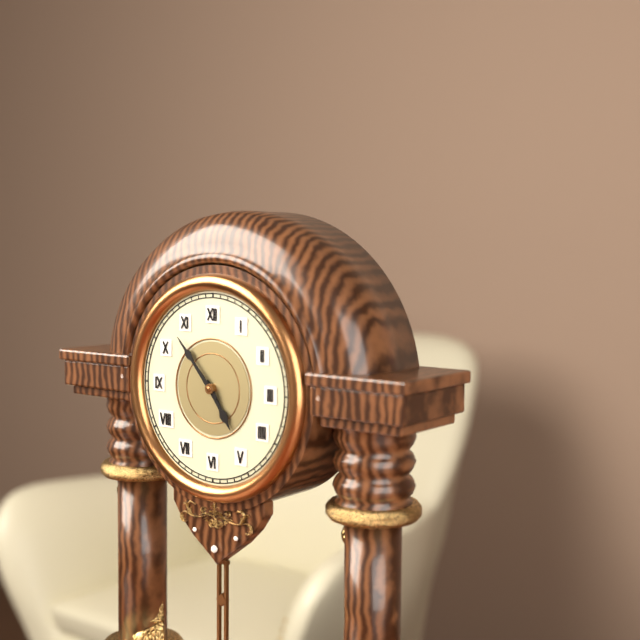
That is 4.53
